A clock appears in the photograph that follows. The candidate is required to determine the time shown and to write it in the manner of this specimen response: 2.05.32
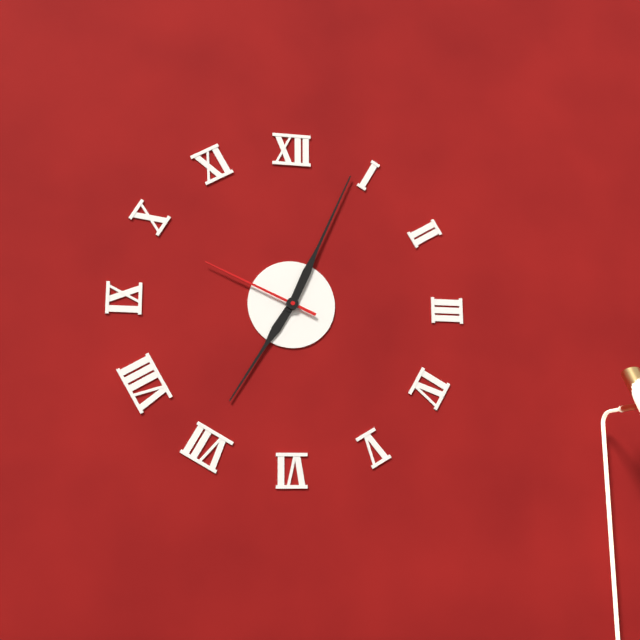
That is 7.04.49
